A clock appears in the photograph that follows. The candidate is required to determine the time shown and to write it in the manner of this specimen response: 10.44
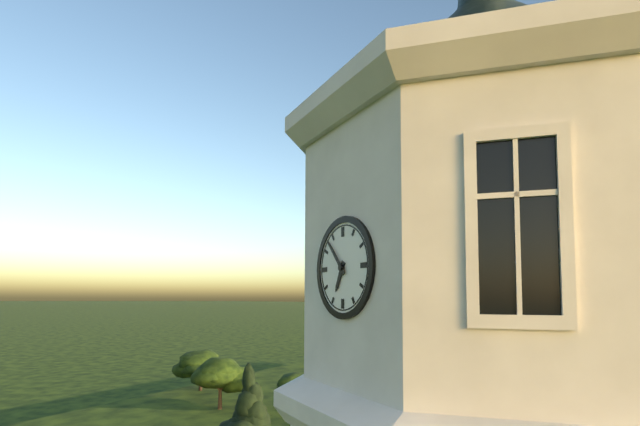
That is 6.53
